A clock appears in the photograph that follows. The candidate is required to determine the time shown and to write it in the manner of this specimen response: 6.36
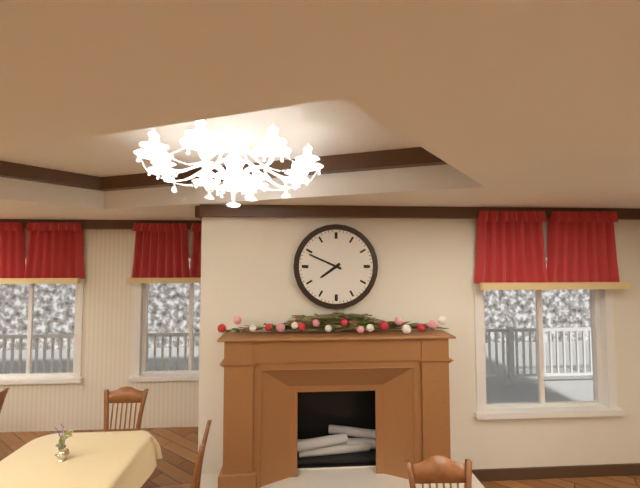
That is 7.49
